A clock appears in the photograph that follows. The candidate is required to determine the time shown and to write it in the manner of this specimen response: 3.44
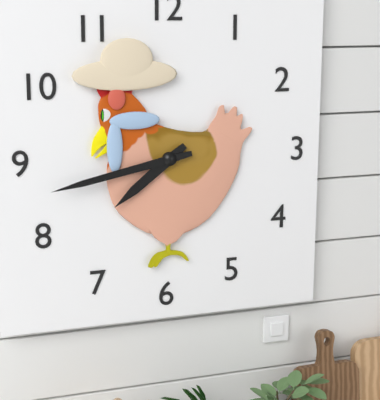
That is 7.43
